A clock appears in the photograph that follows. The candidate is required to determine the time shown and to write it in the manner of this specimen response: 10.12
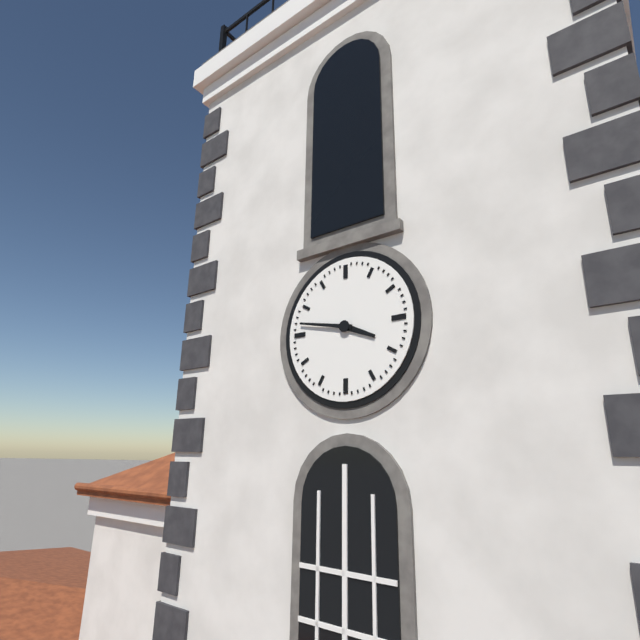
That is 3.47
